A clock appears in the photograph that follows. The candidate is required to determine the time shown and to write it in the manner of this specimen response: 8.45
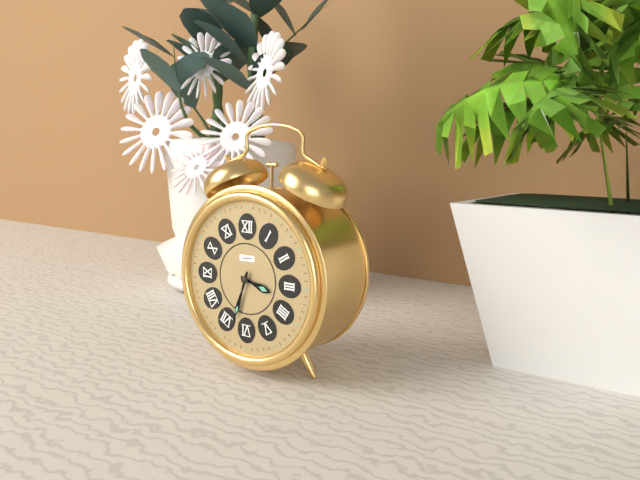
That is 3.33
